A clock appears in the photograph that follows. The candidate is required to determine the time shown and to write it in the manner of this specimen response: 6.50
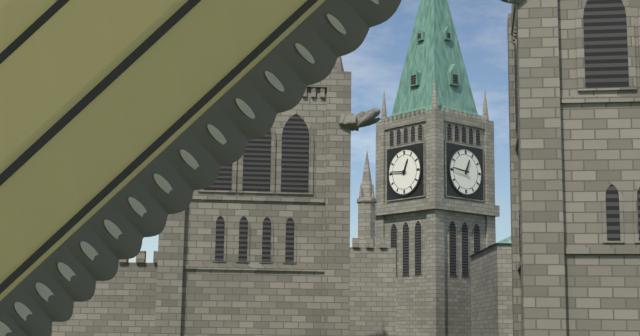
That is 12.46
